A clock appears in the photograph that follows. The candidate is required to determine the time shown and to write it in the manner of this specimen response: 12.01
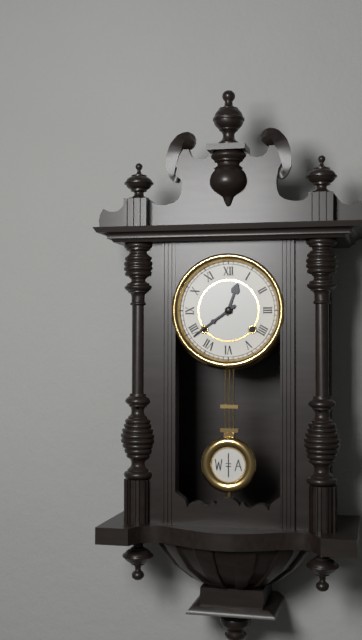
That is 12.39
